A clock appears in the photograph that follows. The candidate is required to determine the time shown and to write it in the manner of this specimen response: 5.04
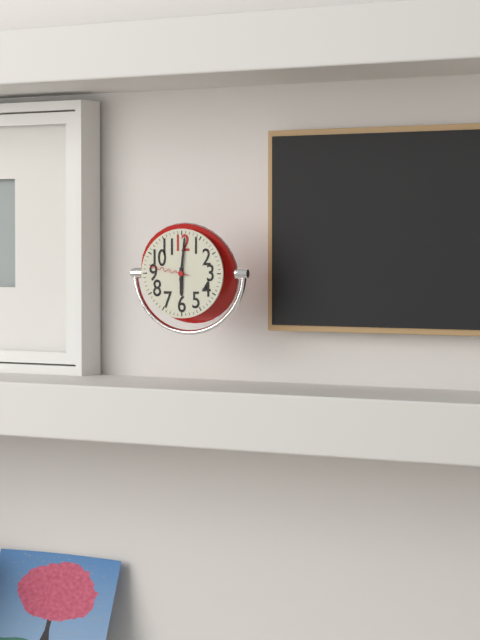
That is 6.01
